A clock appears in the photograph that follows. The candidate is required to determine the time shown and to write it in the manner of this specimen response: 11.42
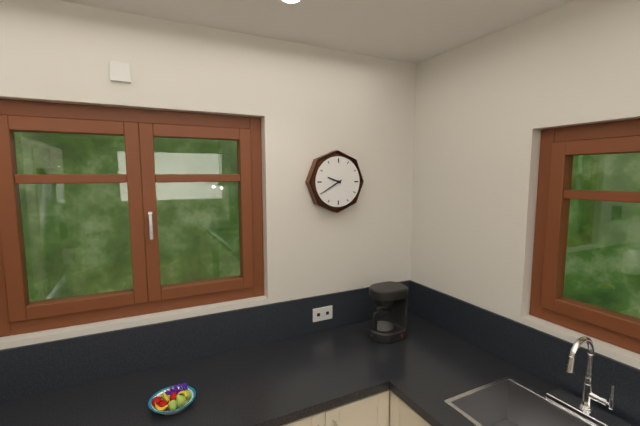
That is 9.40
